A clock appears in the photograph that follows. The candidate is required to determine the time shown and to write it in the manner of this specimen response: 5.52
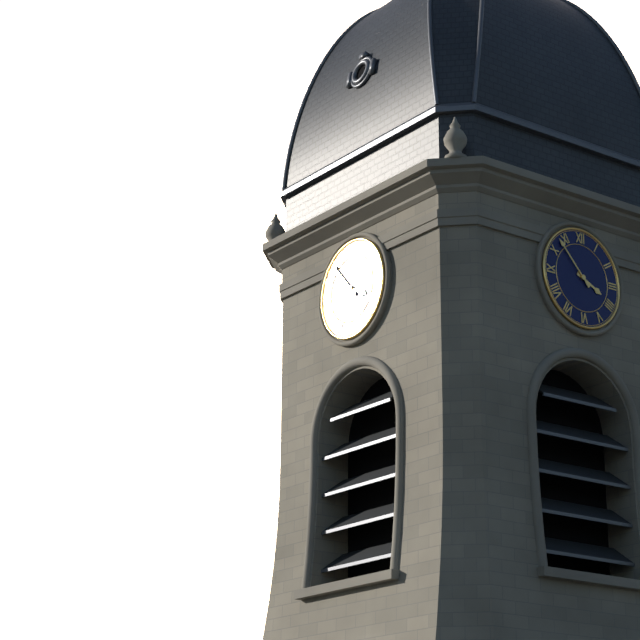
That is 3.53
